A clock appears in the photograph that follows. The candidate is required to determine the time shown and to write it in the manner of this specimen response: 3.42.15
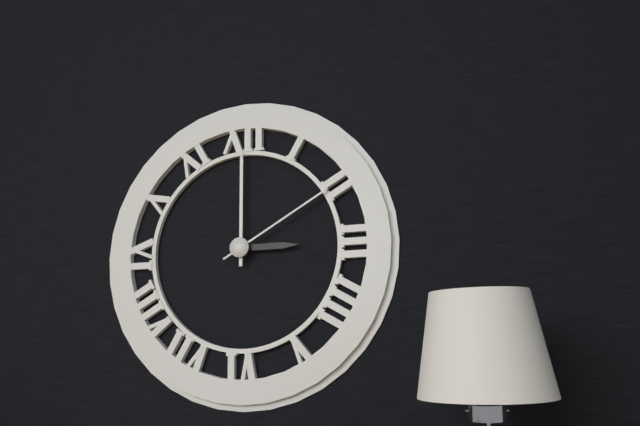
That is 3.00.10
